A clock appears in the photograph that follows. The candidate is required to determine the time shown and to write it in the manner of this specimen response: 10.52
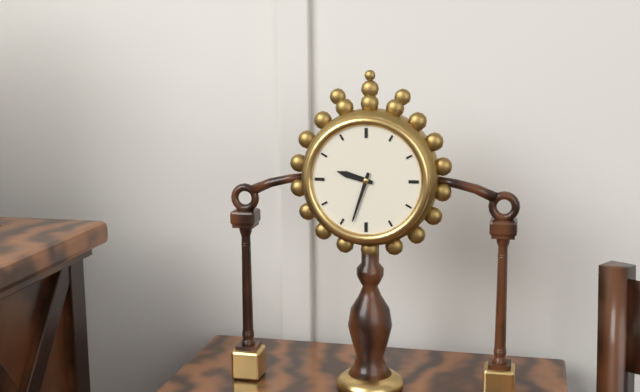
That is 9.33
